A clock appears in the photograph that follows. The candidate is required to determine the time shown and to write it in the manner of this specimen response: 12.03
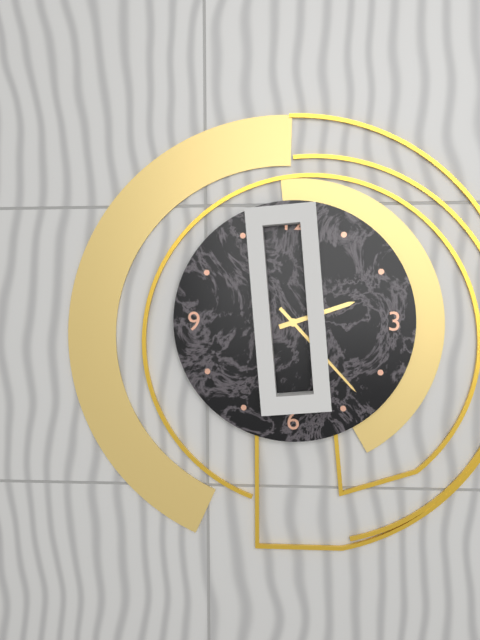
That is 2.23
